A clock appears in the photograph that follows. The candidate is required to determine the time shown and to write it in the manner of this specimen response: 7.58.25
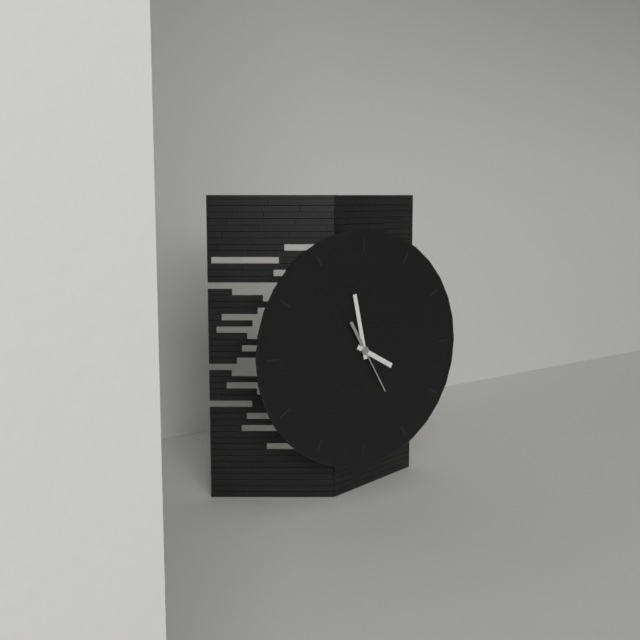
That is 3.58.25
